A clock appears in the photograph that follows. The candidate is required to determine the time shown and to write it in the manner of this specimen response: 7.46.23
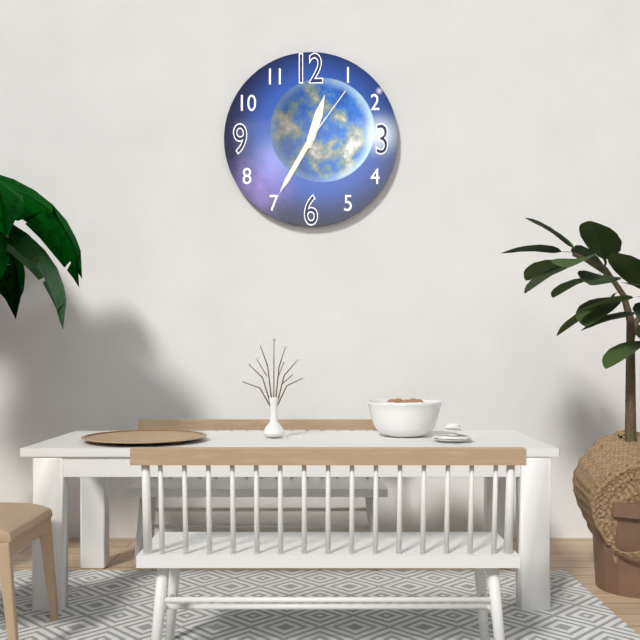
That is 12.35.06
